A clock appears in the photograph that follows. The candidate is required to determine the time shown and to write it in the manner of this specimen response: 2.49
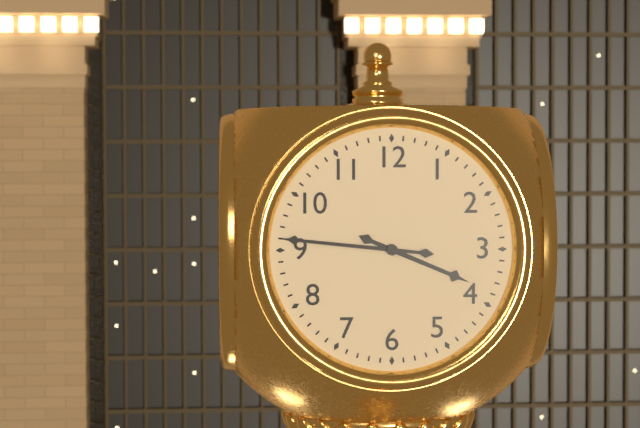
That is 3.46
